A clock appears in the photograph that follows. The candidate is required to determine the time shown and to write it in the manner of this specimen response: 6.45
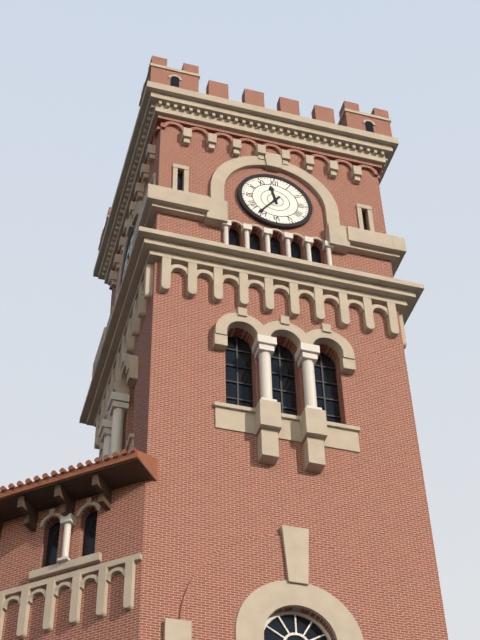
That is 11.36
